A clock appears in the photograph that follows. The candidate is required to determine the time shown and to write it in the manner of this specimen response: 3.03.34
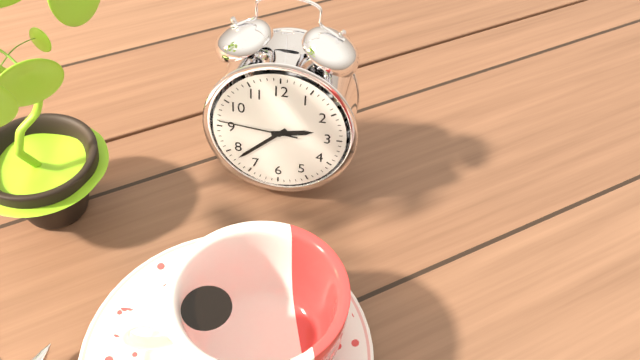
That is 2.38.46
